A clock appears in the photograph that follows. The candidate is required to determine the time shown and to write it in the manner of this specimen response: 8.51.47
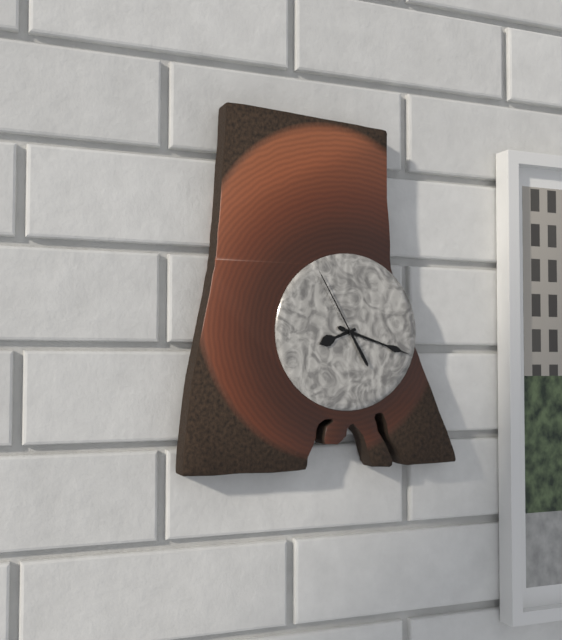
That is 8.18.55
